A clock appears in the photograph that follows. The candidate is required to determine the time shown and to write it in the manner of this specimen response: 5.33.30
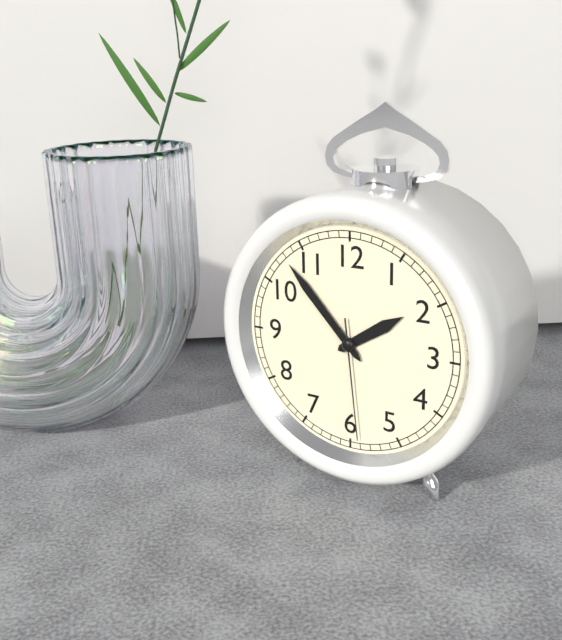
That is 1.53.29
